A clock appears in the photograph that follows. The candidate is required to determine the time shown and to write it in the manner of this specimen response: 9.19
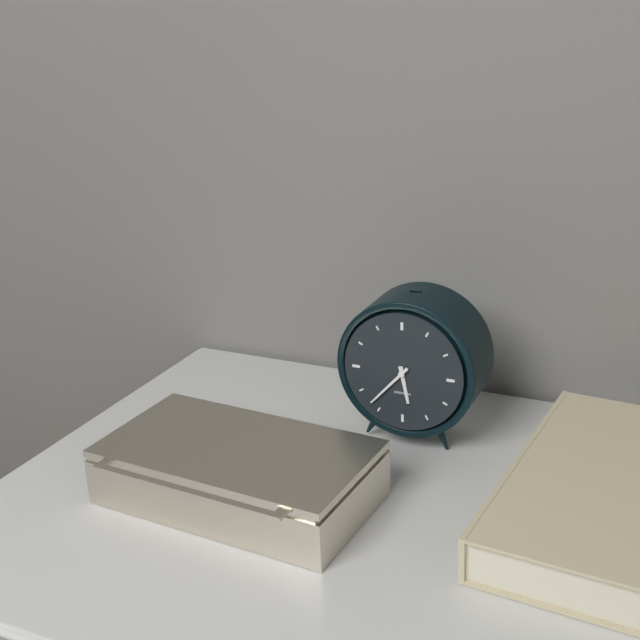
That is 5.37
